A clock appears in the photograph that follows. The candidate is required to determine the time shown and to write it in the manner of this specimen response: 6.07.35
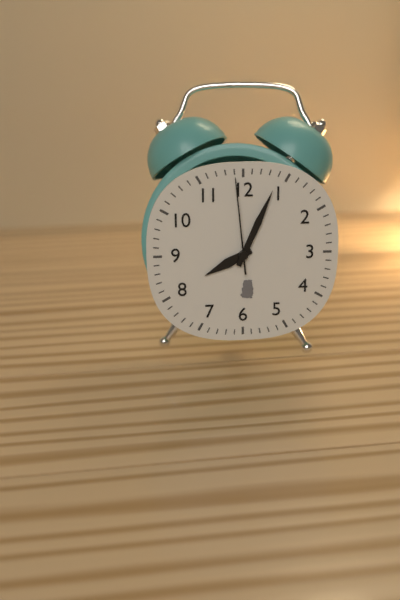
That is 8.04.59
